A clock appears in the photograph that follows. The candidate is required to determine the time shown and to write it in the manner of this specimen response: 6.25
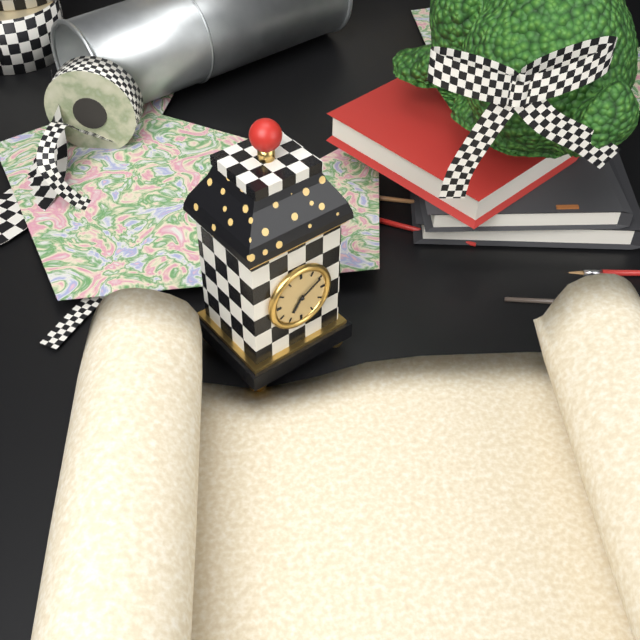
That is 7.10
